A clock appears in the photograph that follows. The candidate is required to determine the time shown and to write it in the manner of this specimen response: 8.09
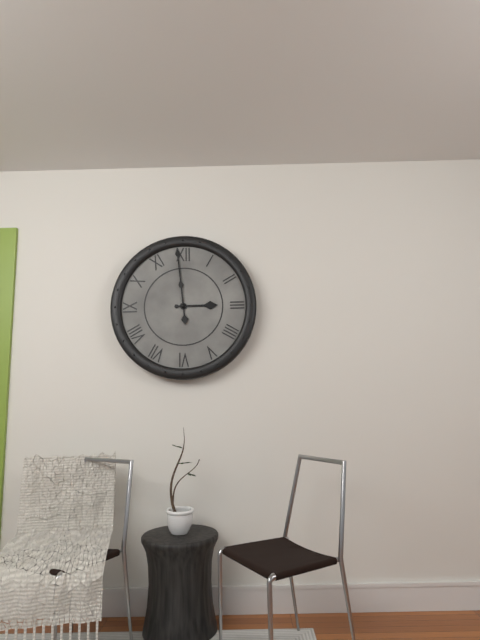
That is 2.59
